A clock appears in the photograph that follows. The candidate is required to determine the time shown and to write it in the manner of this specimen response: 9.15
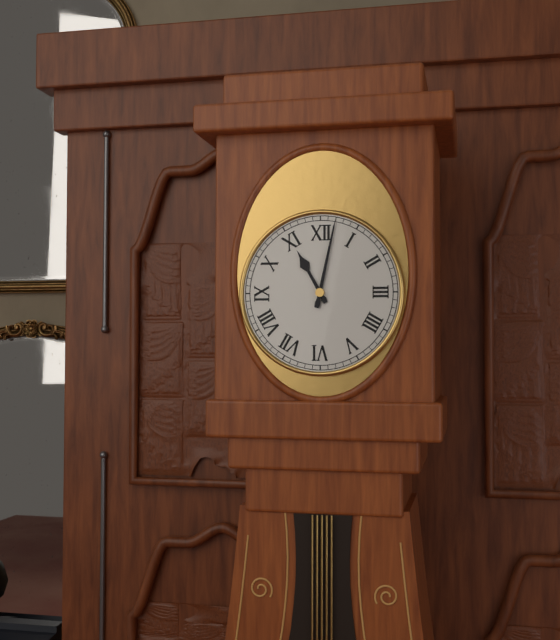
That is 11.02
